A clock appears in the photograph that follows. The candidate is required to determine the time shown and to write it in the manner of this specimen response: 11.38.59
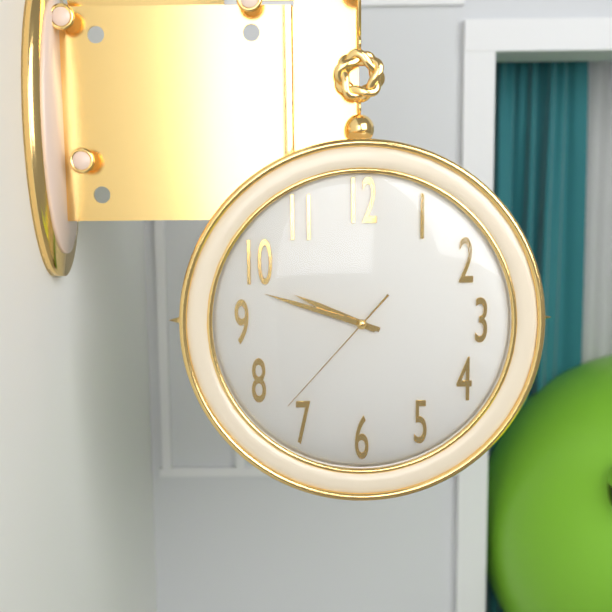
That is 9.48.37
